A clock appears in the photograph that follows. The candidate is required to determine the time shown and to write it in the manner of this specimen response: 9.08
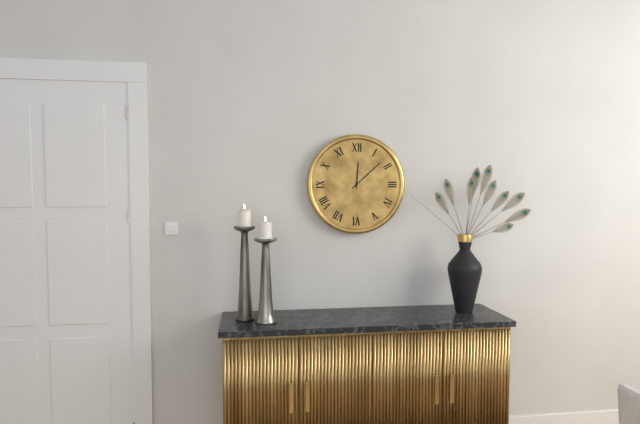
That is 12.08
